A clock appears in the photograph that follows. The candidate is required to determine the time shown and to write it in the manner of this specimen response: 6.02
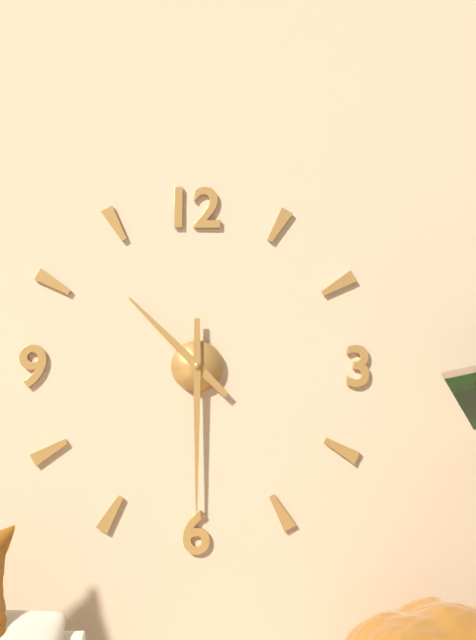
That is 10.30
